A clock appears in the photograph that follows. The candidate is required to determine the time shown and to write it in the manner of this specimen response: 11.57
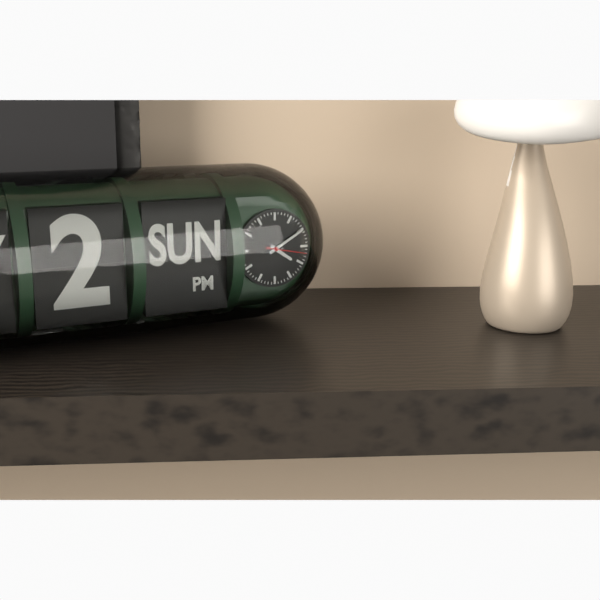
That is 4.10
